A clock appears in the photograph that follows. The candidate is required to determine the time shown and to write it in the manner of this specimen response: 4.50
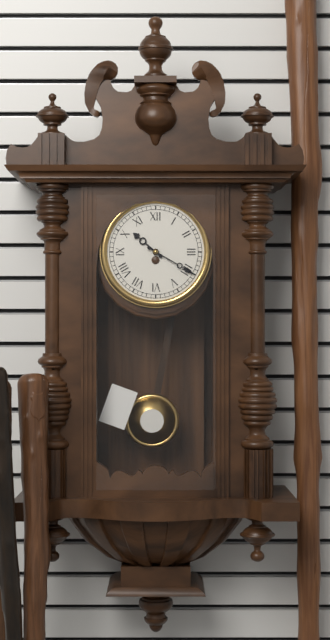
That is 10.20
